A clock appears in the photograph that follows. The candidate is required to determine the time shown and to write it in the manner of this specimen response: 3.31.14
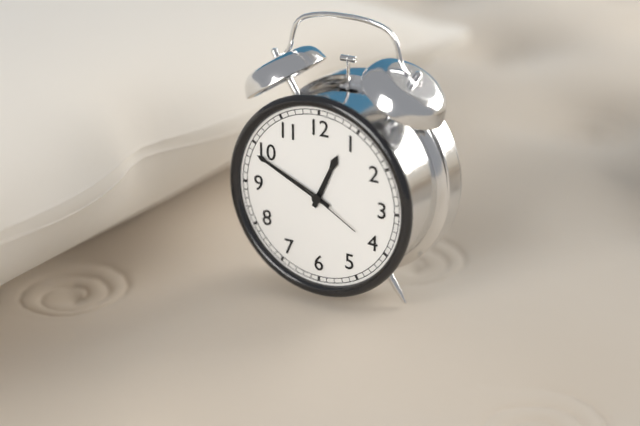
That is 12.49.20
